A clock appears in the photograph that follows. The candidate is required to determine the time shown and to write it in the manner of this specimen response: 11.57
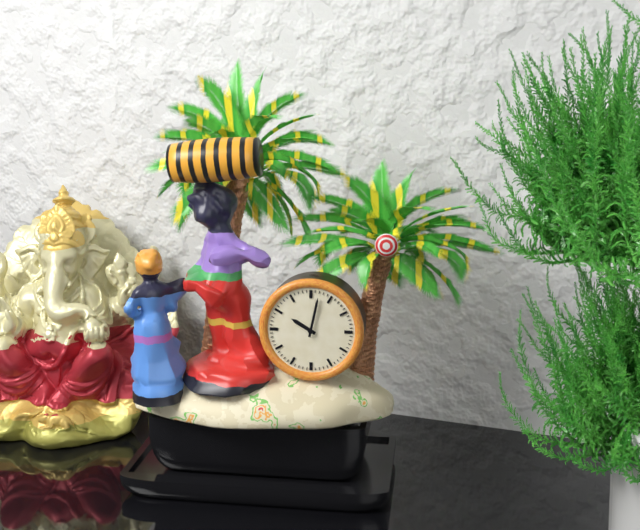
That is 10.02
